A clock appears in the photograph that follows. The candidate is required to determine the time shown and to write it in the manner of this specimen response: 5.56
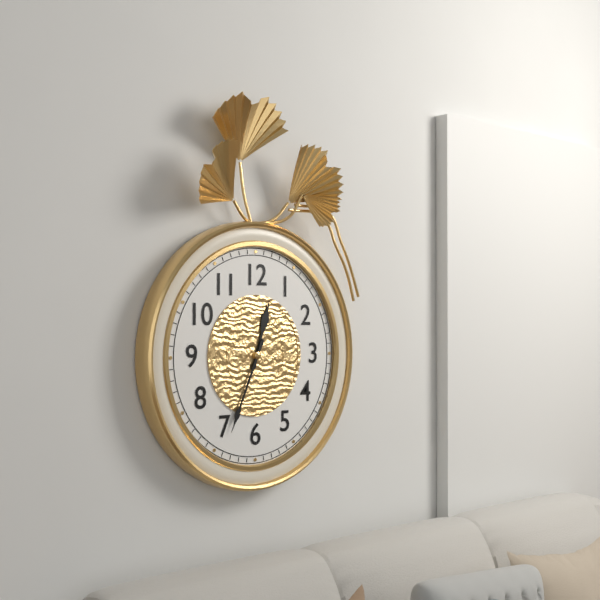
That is 12.34
